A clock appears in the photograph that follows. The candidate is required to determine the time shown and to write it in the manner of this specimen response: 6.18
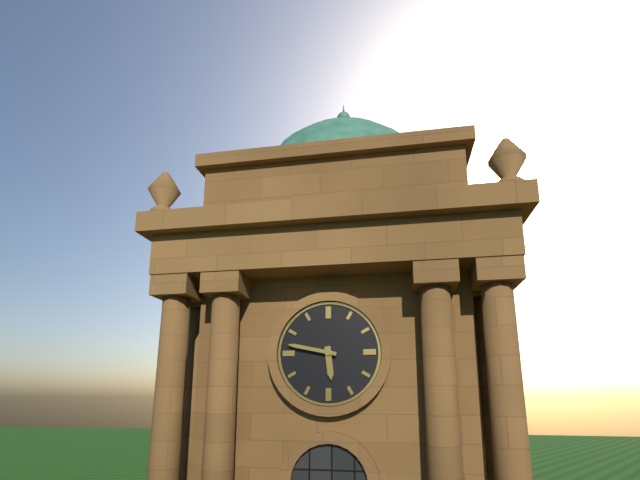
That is 5.47
